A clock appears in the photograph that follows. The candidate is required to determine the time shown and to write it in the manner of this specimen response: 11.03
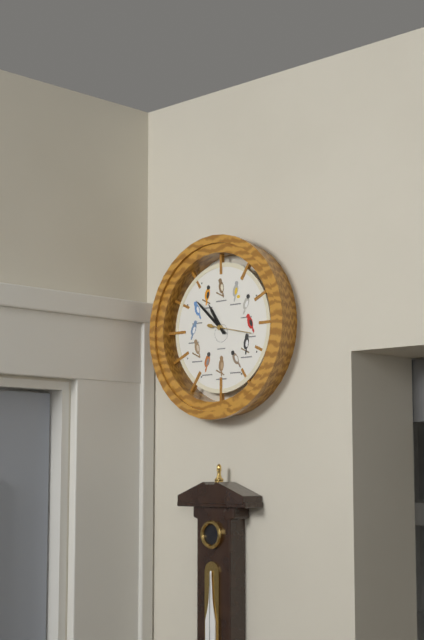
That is 10.52
